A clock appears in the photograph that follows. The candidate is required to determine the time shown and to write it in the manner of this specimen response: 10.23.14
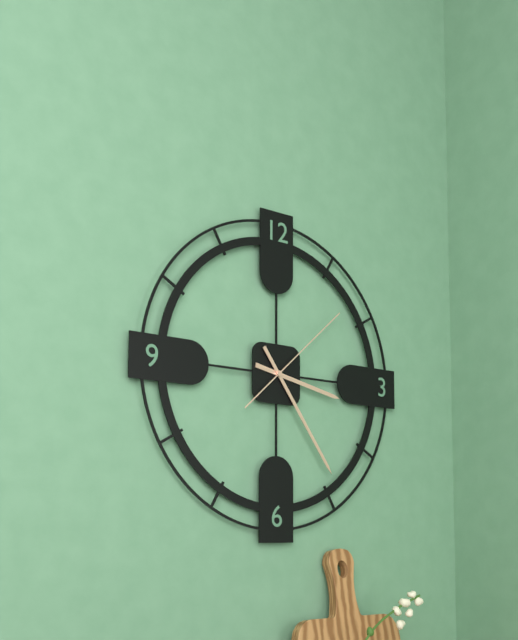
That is 3.24.08
